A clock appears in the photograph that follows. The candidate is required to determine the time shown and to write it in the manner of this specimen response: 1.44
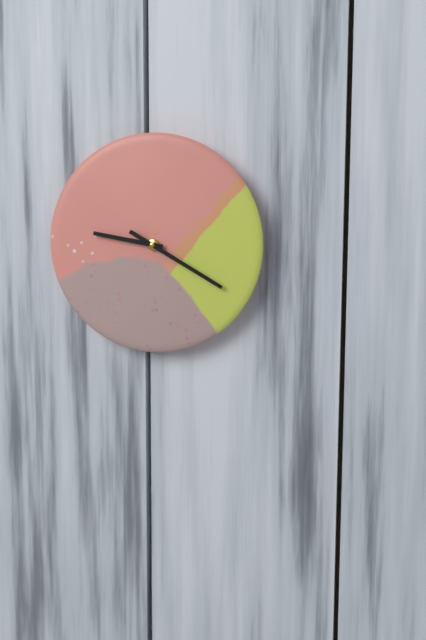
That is 9.20
